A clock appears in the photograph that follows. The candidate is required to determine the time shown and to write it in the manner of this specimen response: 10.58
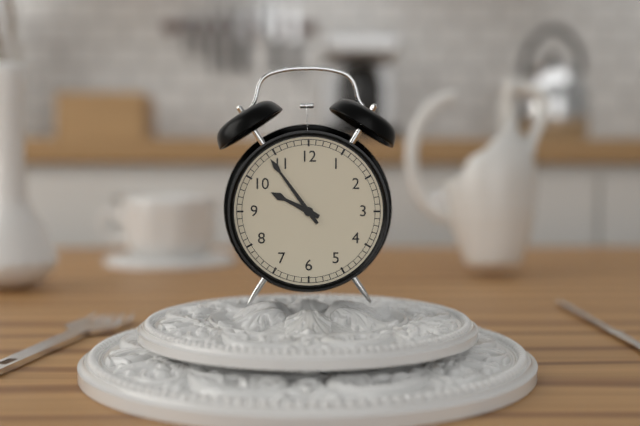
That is 9.54
